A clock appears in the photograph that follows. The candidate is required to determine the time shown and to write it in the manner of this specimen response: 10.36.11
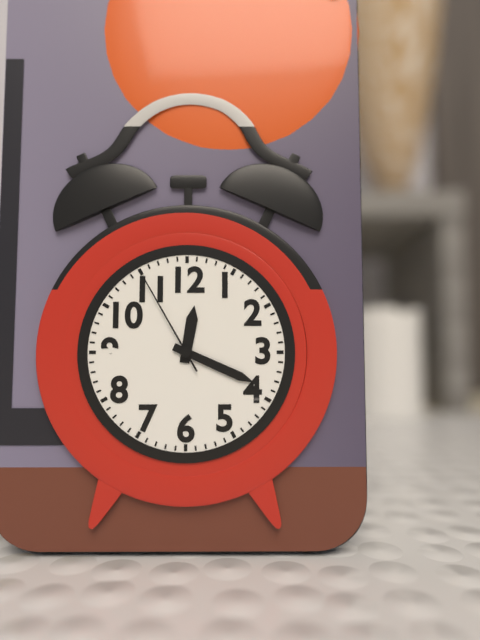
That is 12.19.55
